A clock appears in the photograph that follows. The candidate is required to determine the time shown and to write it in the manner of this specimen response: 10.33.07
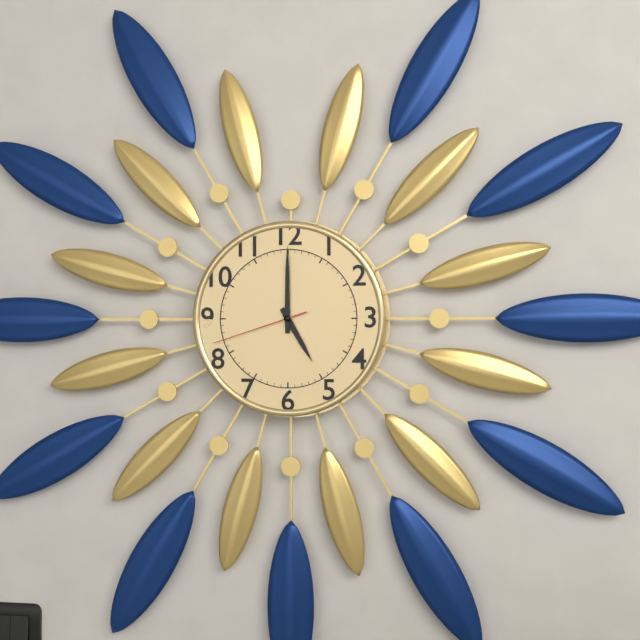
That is 5.00.42
